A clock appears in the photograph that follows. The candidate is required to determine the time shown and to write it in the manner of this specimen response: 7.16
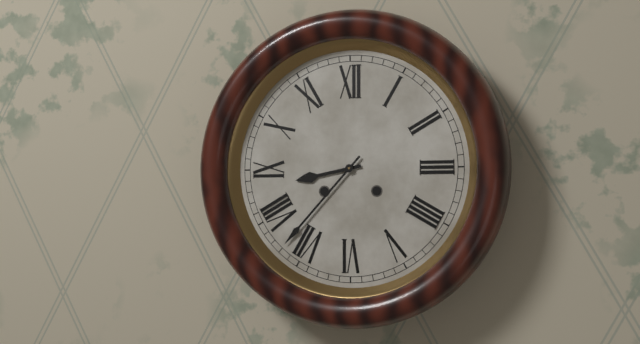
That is 8.37
